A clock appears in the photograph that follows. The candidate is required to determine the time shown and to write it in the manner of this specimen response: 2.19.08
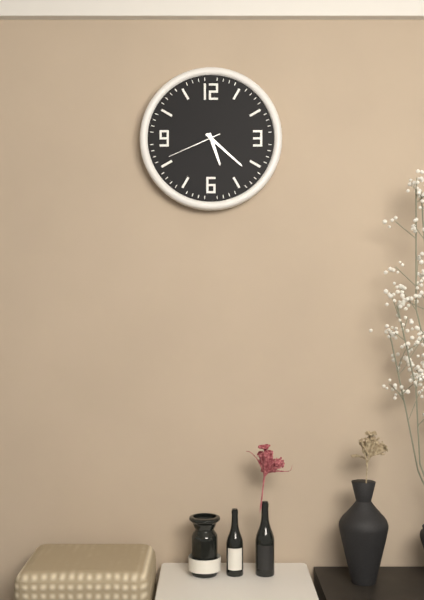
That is 5.22.41
